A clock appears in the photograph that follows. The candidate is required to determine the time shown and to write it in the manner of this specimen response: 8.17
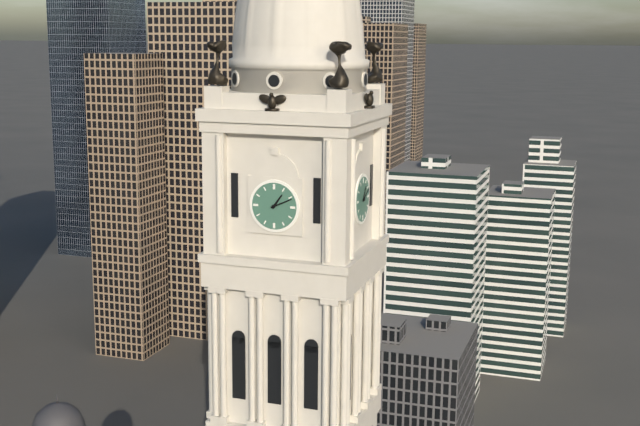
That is 1.11
